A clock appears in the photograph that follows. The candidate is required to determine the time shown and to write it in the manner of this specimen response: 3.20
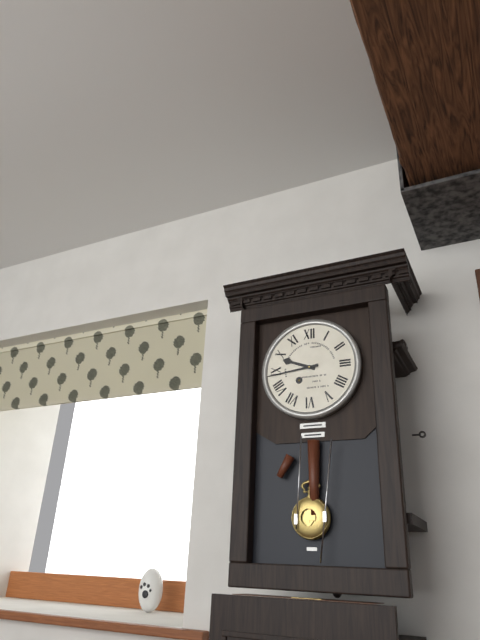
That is 9.44
